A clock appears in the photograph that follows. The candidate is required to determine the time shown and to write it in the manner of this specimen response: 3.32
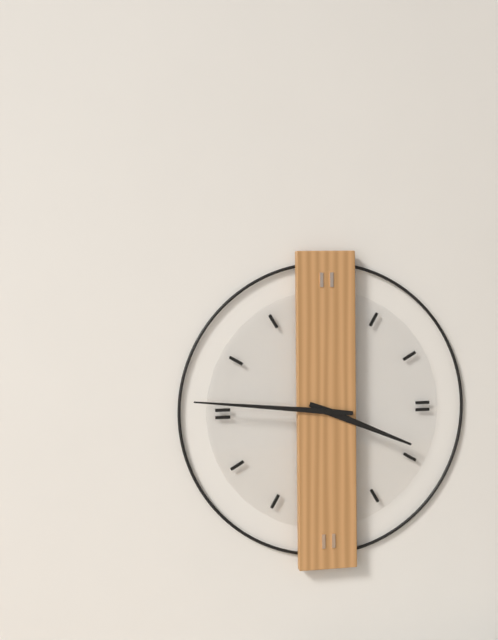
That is 3.46
